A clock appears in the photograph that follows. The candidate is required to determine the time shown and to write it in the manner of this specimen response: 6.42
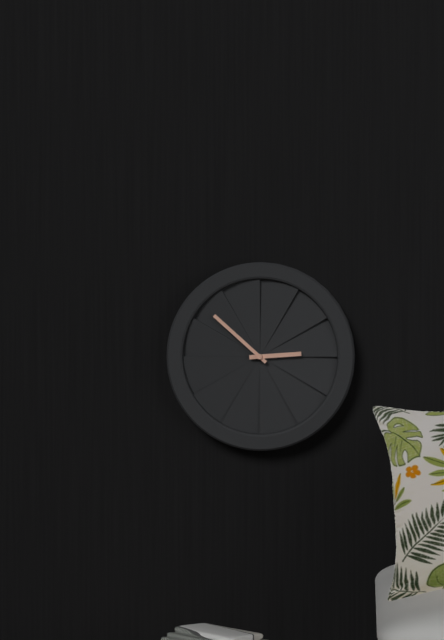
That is 2.52
